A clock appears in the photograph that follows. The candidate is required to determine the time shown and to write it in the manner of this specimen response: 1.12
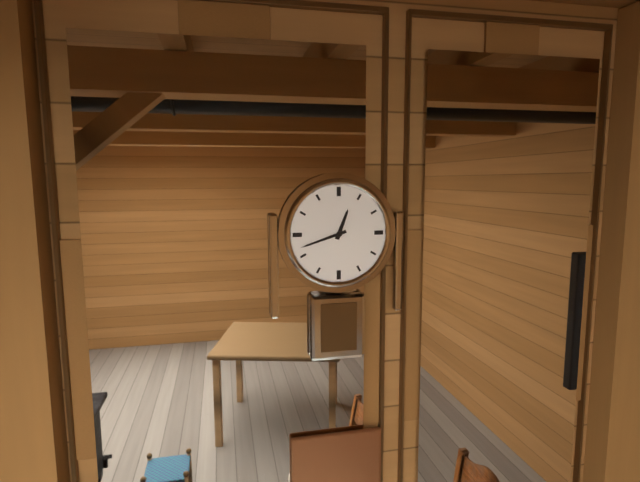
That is 12.42
